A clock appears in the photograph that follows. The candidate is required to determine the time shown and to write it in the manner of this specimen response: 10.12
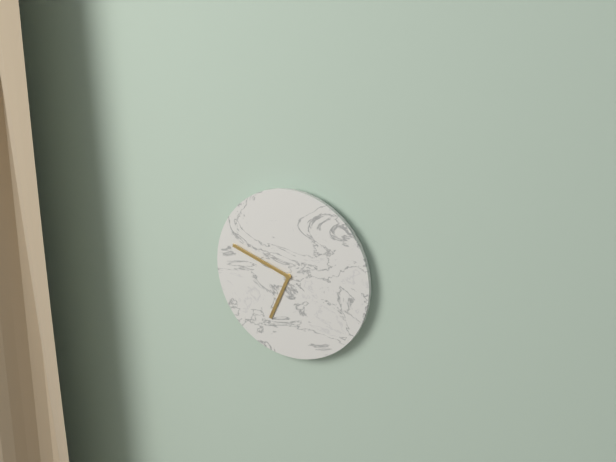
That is 6.48
